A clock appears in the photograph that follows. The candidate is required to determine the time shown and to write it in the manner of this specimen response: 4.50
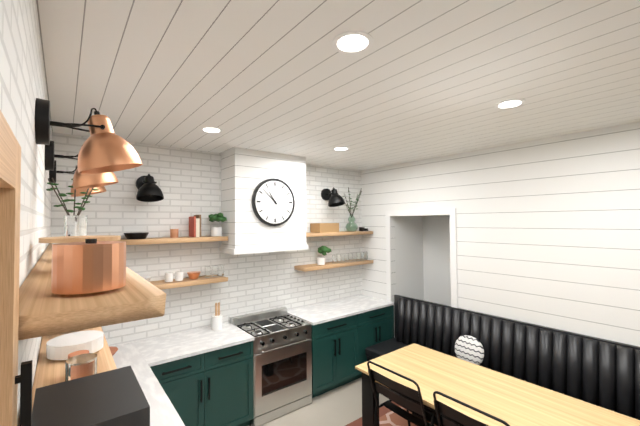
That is 10.52
